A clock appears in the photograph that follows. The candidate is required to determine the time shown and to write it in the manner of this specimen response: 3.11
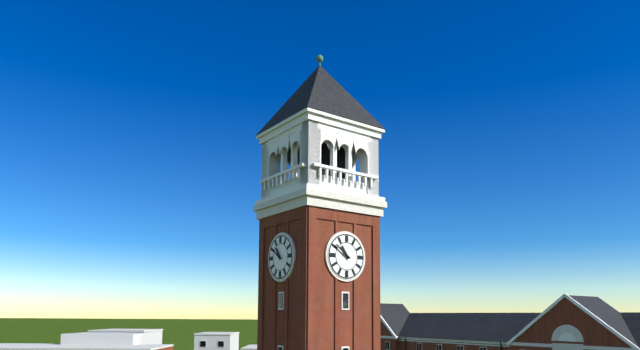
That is 10.51
